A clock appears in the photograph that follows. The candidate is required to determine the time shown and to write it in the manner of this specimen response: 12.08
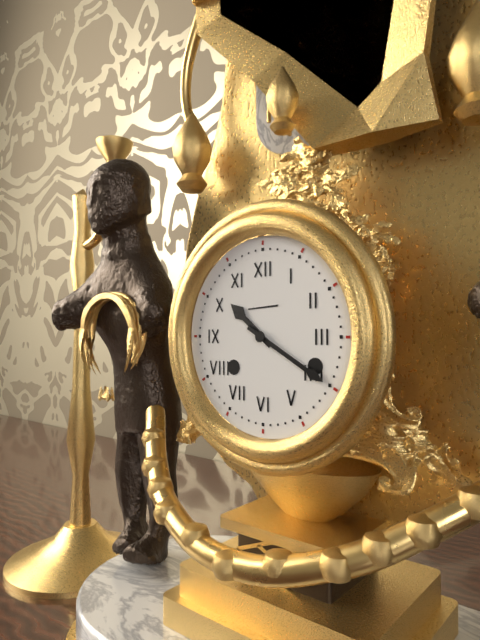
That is 10.20
